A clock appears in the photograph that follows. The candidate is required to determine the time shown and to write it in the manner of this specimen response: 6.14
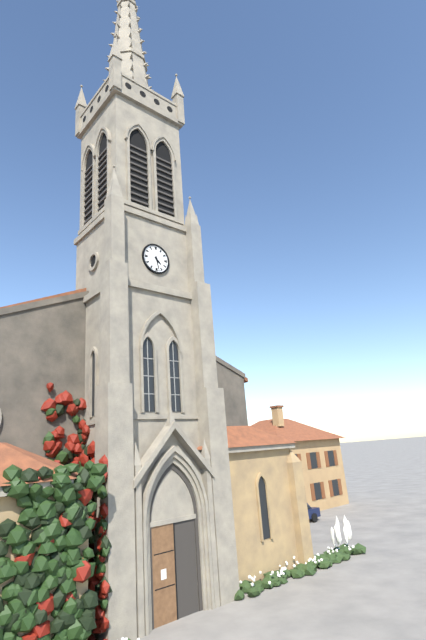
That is 4.28
